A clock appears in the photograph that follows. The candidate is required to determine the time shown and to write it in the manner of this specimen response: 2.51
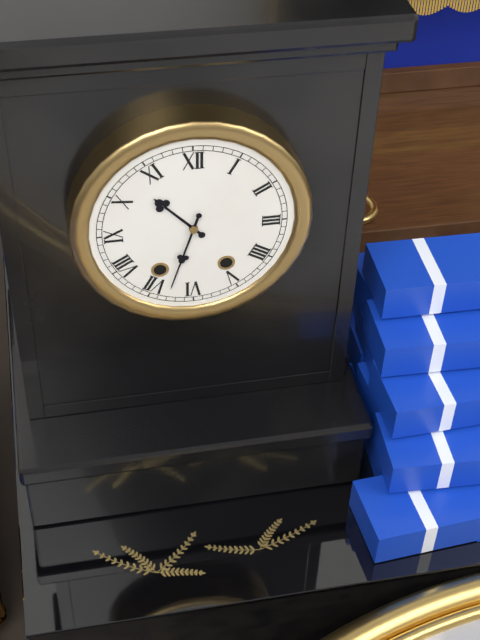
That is 10.33
